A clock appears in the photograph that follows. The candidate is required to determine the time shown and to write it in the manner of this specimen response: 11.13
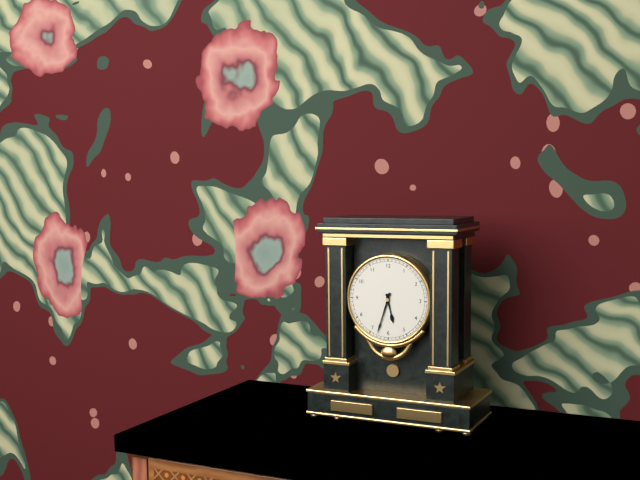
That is 5.33
